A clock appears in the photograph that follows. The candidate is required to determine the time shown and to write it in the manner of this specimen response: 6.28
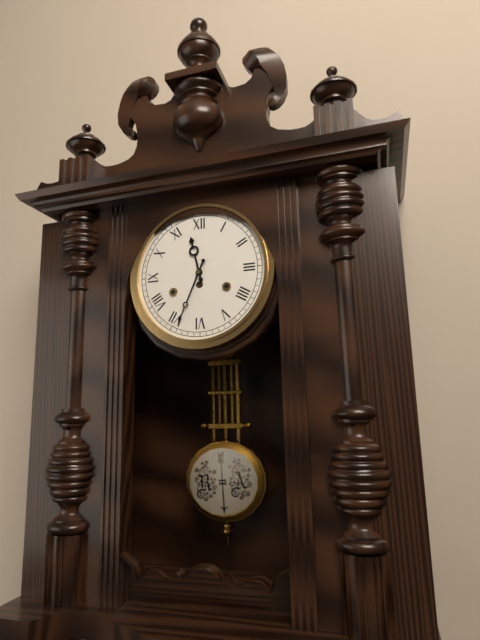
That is 11.34
